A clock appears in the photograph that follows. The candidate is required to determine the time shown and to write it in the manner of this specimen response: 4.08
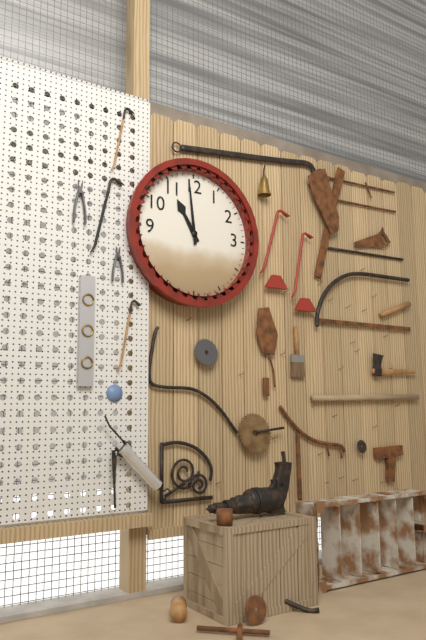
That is 10.59
